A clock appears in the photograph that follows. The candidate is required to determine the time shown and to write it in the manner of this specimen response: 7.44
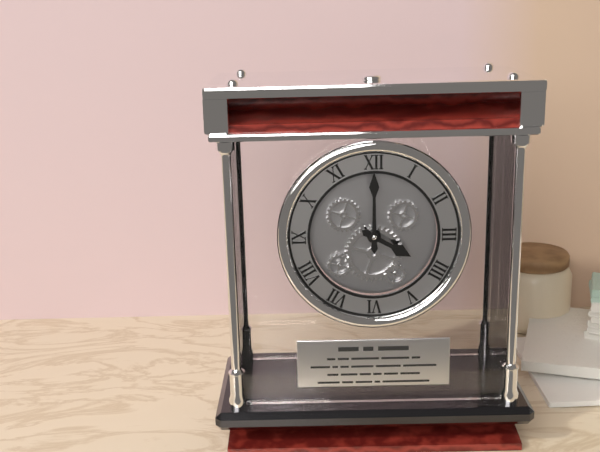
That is 4.00
